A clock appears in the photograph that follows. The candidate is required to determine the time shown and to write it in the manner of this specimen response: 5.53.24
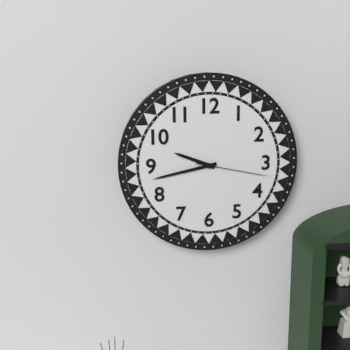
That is 9.43.17
